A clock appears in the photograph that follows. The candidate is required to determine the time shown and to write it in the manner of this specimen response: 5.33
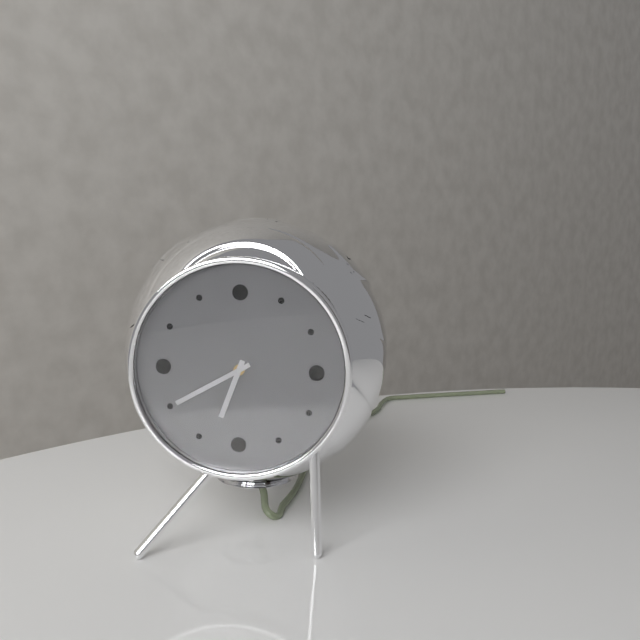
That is 6.40
